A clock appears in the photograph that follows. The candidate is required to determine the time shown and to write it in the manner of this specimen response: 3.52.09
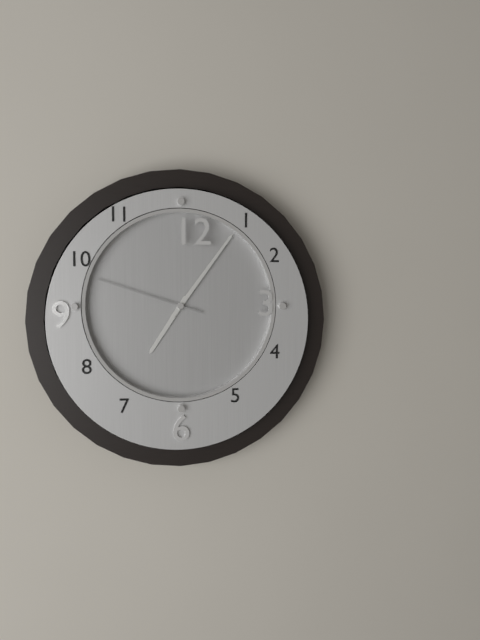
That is 7.06.48
